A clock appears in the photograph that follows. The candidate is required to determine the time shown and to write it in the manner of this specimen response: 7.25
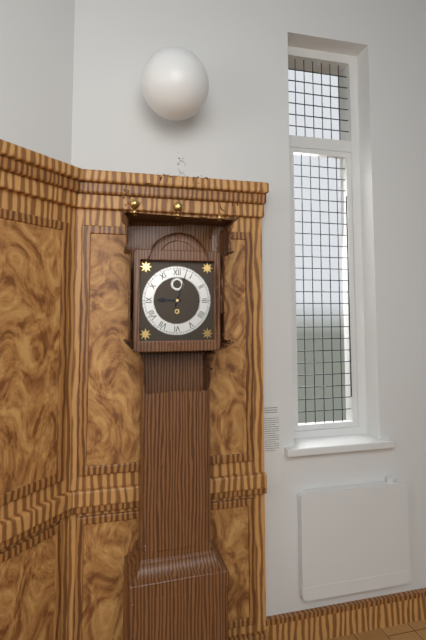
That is 9.03
